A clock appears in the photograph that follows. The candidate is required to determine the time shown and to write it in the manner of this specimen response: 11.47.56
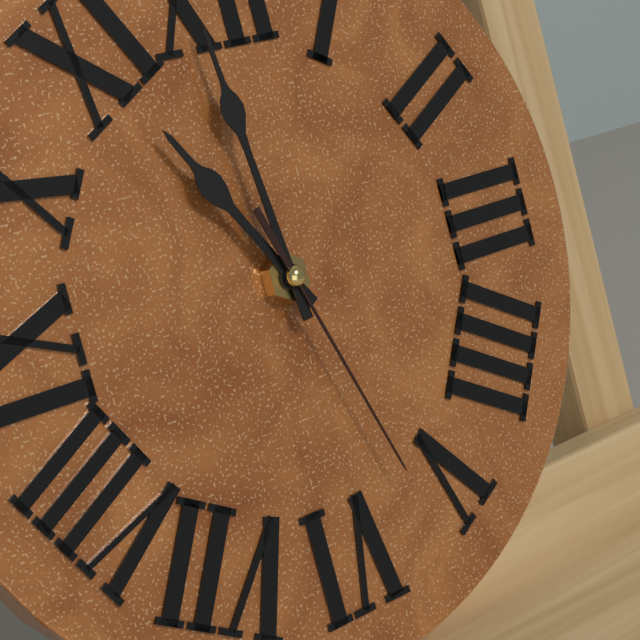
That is 10.59.27
